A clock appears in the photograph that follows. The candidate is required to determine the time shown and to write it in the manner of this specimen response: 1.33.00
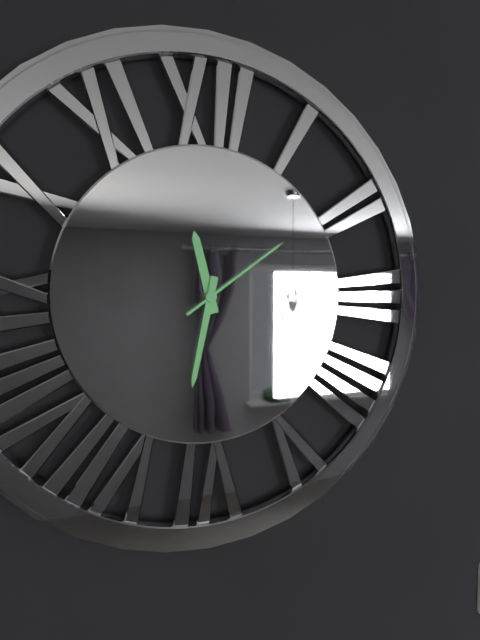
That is 11.32.09
